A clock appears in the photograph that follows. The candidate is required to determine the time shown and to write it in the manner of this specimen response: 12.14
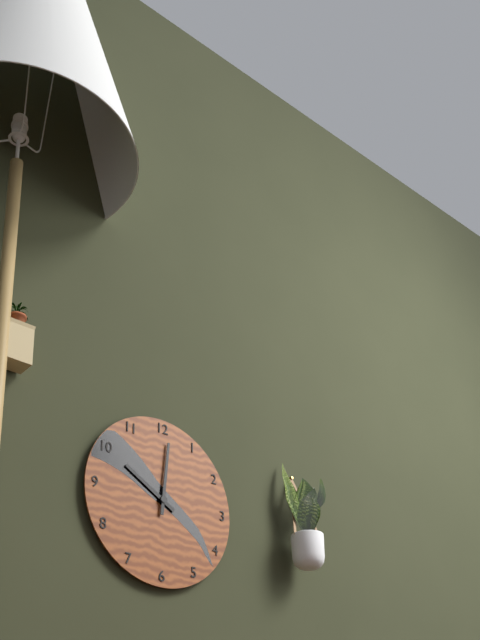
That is 10.01
